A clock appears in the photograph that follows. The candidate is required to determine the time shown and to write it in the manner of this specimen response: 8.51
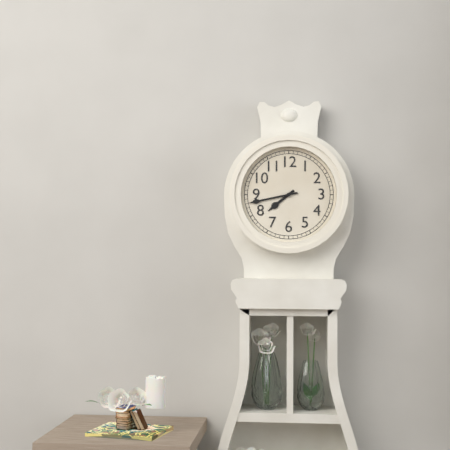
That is 7.43
